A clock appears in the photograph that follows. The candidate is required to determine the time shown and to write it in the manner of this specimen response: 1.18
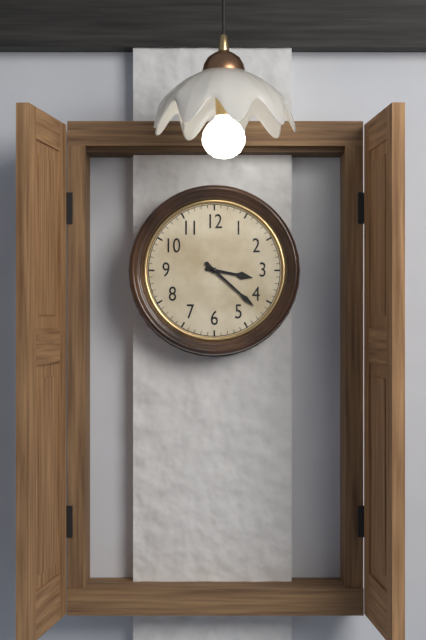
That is 3.22
